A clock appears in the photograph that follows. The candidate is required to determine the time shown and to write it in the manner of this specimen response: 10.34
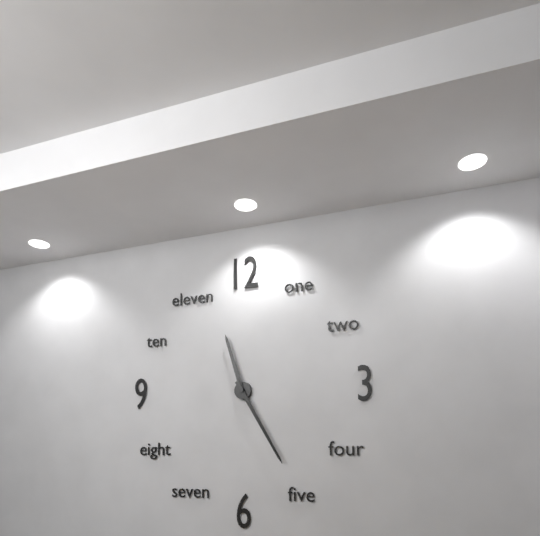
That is 11.25
